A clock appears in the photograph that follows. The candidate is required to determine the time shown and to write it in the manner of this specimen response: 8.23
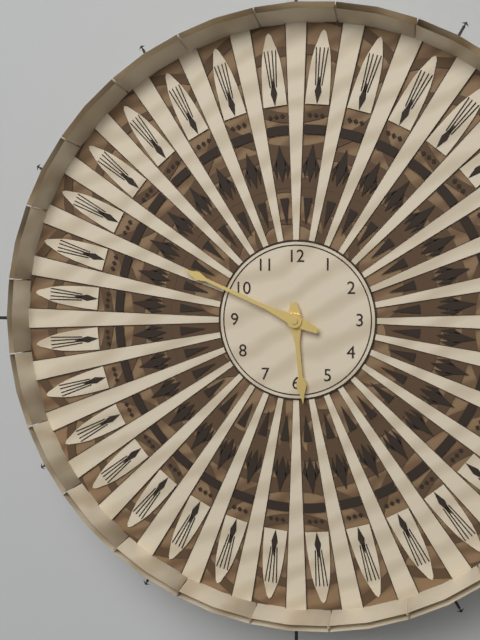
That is 5.49
